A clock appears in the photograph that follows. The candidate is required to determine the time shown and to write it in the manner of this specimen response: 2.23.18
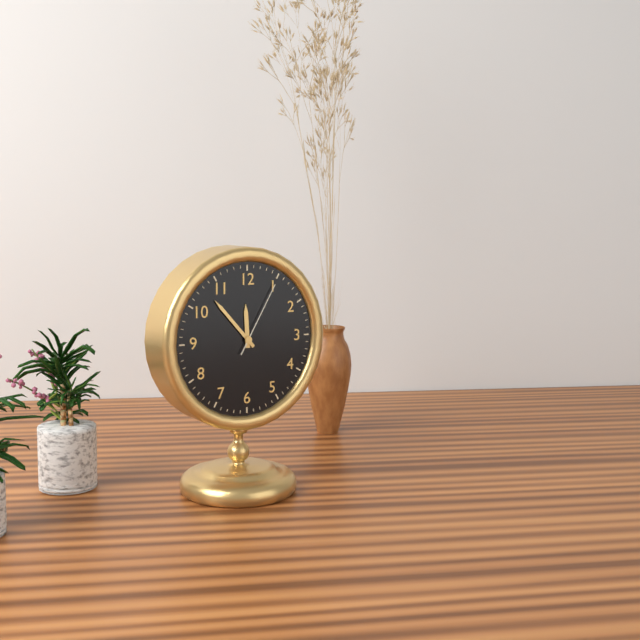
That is 11.53.05
